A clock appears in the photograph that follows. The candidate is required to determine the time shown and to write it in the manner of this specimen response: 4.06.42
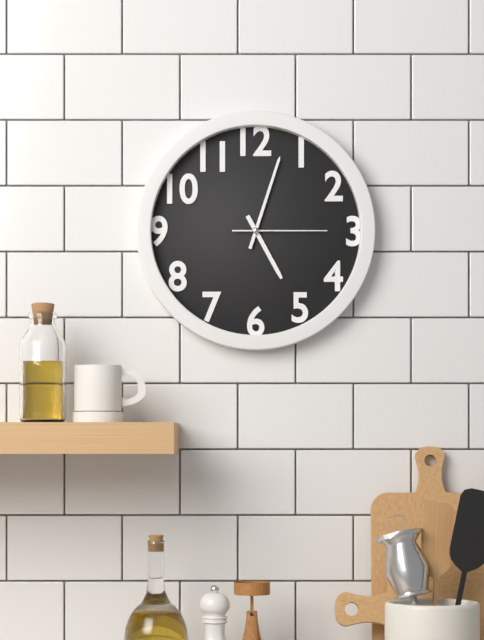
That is 5.03.15
